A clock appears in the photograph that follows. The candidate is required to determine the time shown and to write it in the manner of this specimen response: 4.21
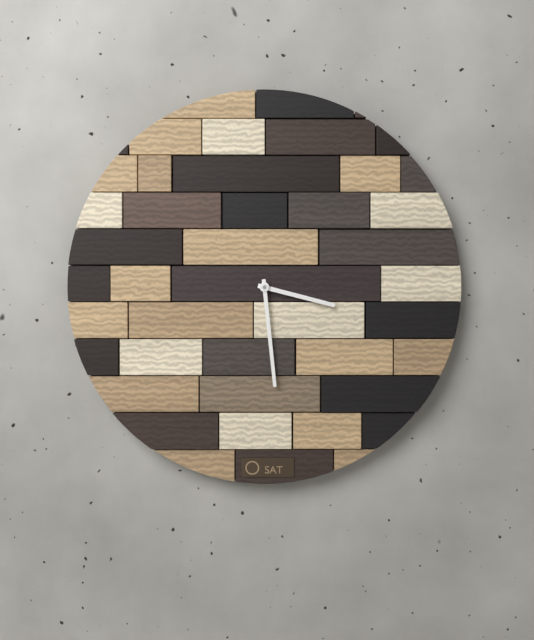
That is 3.29
